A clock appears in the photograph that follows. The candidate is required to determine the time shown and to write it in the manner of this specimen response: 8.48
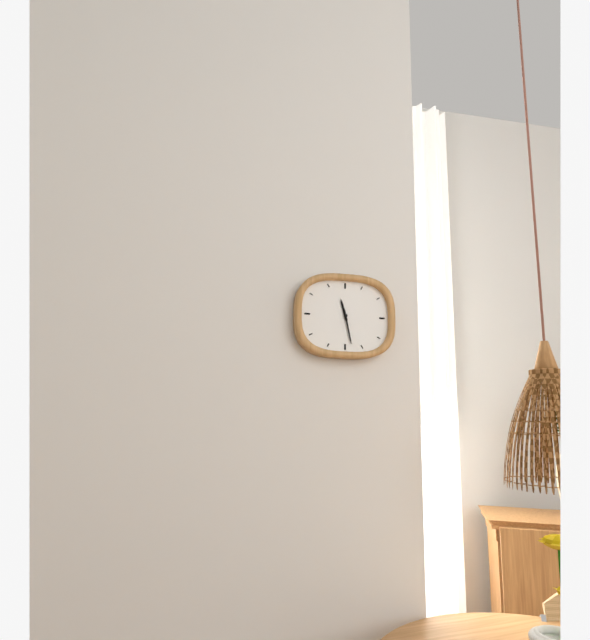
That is 11.28
